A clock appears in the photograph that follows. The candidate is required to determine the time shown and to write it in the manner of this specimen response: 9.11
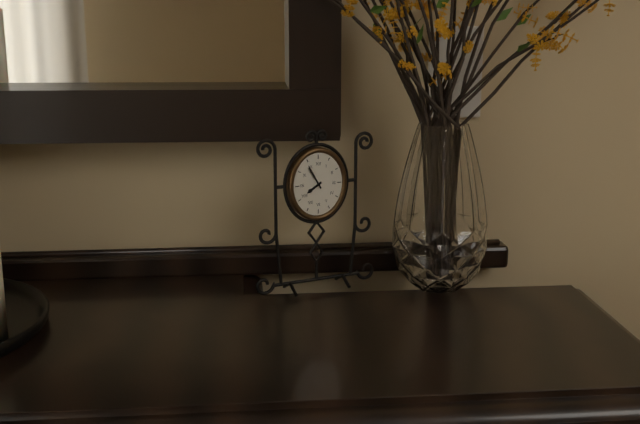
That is 7.55
